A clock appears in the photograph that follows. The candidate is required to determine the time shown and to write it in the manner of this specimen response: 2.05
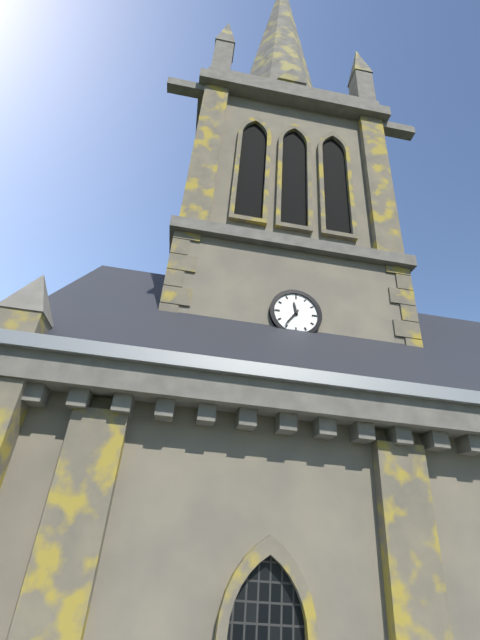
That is 11.36
